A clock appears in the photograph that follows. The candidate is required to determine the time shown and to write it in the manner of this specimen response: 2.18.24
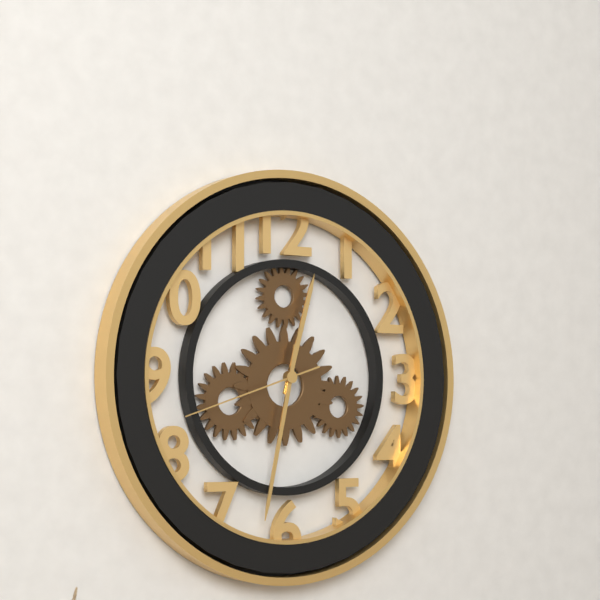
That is 12.32.42
